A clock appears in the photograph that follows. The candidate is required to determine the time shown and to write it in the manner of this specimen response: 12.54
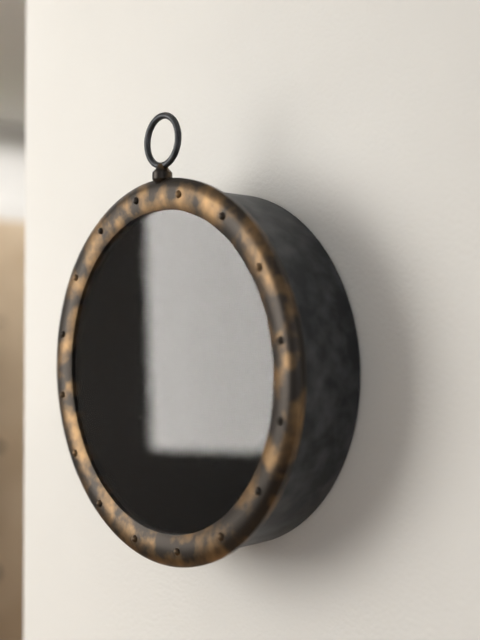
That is 6.26
